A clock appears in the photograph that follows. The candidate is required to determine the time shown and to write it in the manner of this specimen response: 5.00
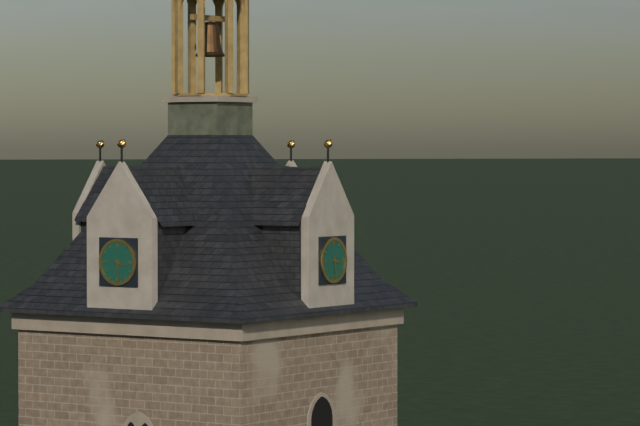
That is 3.29
